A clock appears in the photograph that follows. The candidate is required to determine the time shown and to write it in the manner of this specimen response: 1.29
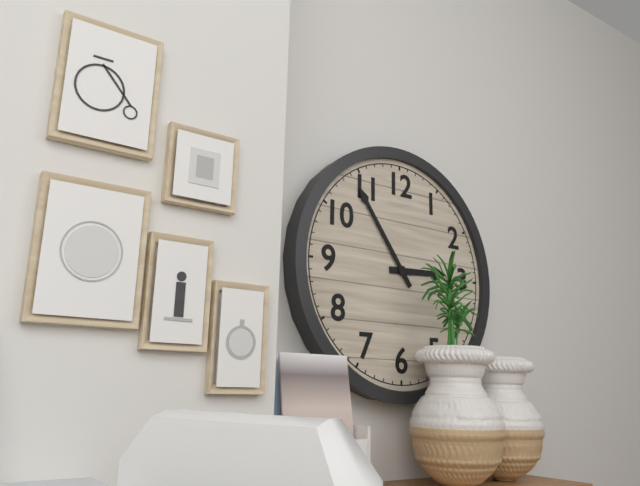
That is 2.54
